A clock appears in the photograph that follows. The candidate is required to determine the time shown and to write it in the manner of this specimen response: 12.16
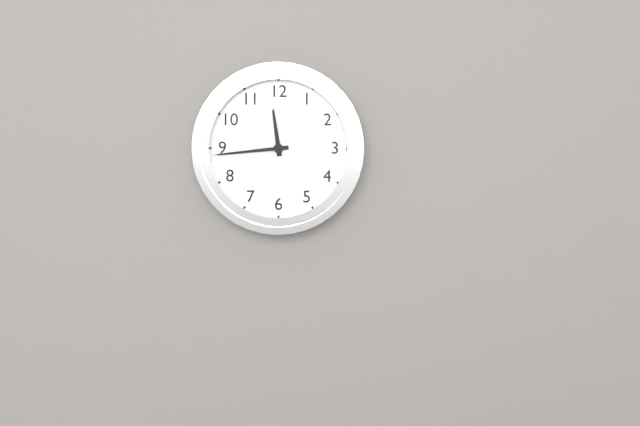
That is 11.44
